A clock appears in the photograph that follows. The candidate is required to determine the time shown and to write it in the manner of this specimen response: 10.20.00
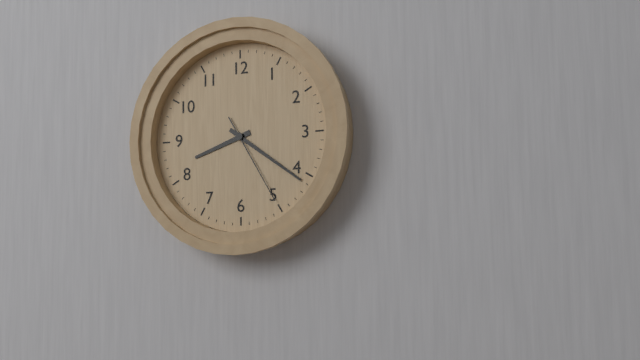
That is 8.21.25
